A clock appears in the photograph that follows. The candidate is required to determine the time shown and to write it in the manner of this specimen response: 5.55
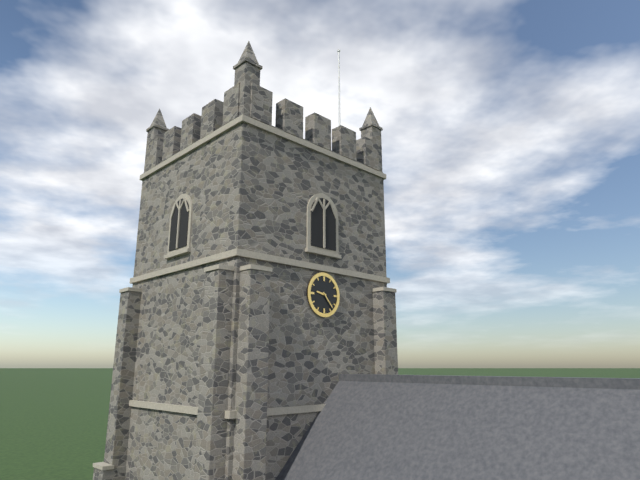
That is 9.23
